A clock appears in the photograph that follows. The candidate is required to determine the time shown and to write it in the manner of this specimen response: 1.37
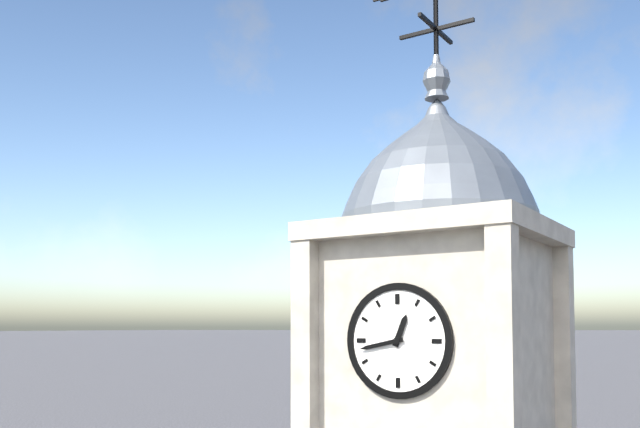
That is 12.43
